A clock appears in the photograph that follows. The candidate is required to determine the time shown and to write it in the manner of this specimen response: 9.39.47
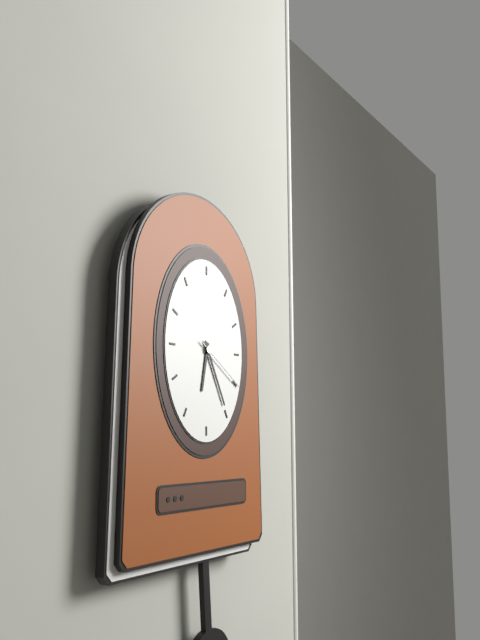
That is 6.25.20
